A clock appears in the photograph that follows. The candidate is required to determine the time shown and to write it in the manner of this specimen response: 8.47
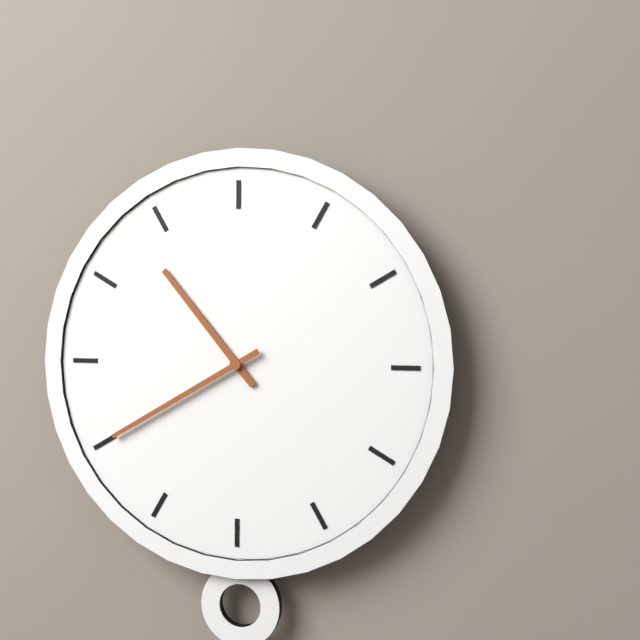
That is 10.40
